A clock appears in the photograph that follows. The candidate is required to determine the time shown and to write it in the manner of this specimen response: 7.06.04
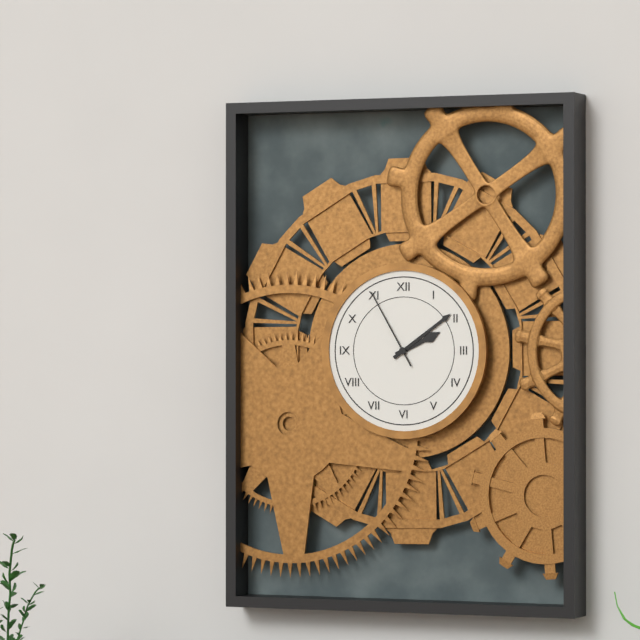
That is 2.09.55
